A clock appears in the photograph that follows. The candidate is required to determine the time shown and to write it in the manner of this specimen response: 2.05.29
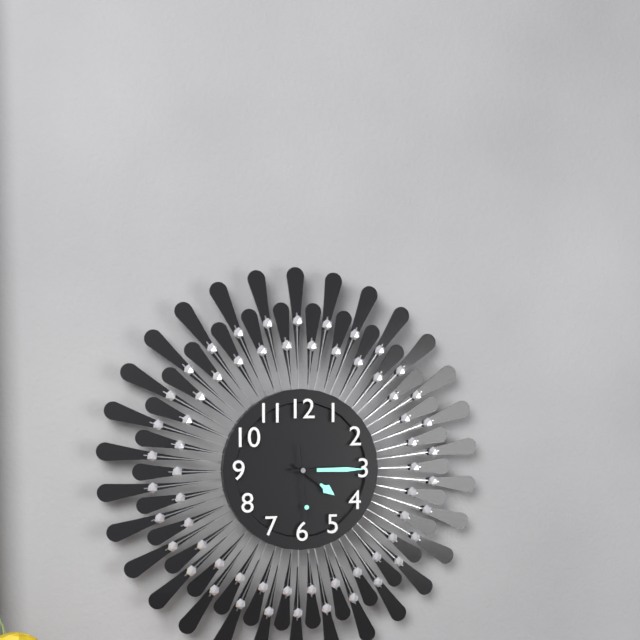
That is 4.15.29
